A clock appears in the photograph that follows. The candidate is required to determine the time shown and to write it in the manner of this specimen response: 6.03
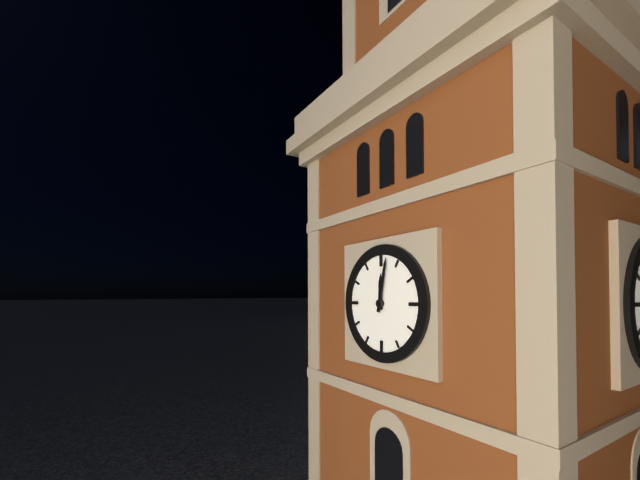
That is 12.02
